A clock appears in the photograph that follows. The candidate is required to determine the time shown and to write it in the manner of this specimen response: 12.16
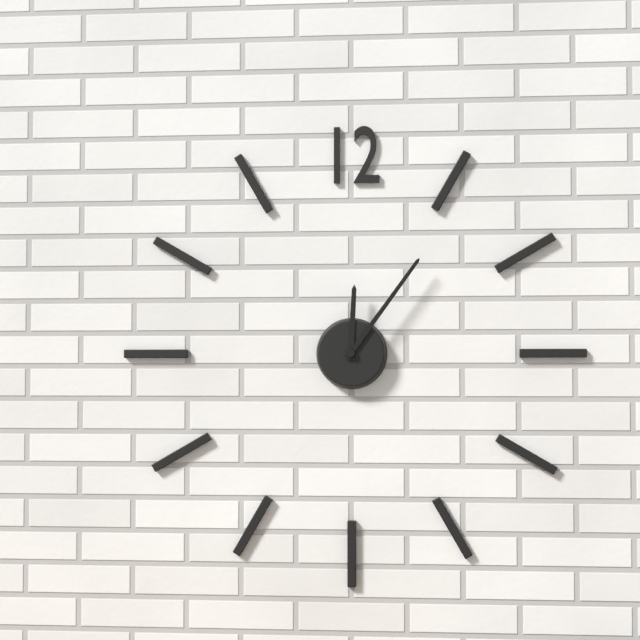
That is 12.06
